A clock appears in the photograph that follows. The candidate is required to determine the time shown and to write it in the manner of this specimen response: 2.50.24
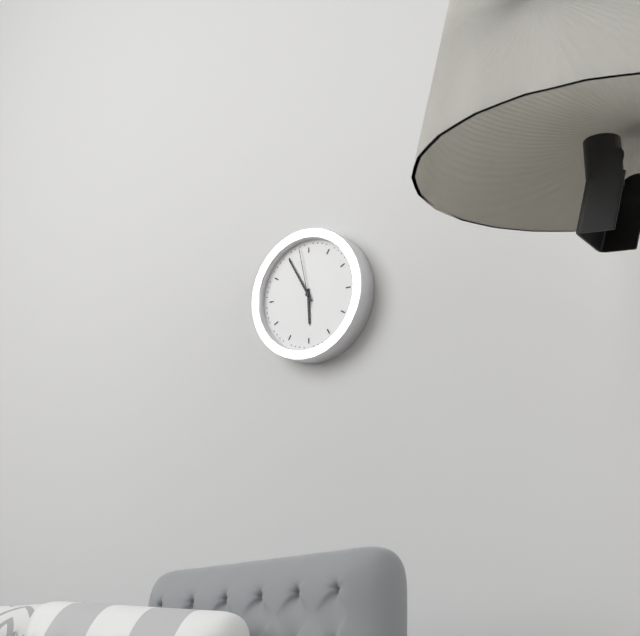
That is 5.55.58
